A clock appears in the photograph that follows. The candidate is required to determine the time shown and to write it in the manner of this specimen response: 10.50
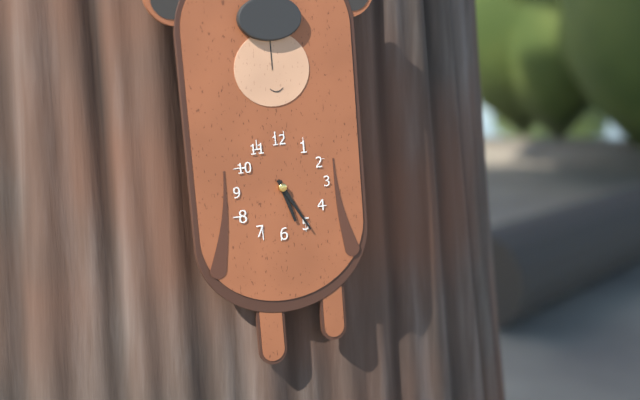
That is 5.25
